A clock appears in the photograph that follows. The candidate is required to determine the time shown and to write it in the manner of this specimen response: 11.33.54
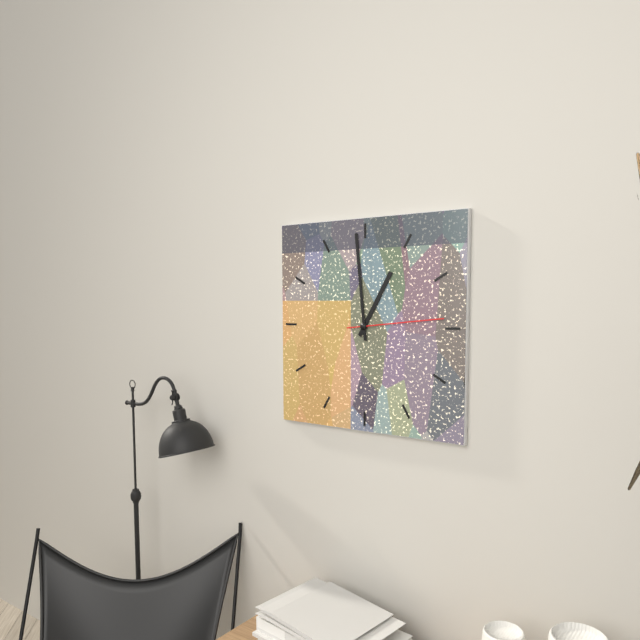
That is 12.59.14
